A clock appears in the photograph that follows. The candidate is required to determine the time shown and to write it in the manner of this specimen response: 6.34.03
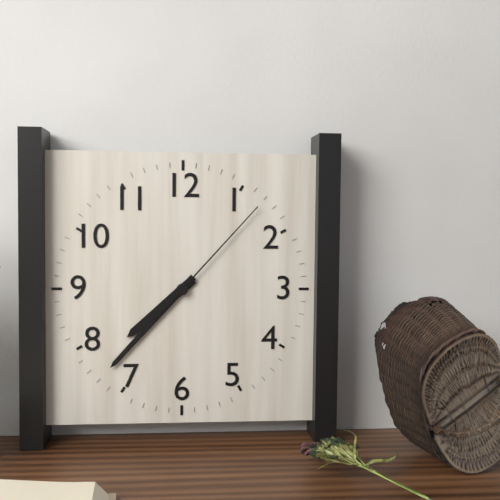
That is 7.37.07
